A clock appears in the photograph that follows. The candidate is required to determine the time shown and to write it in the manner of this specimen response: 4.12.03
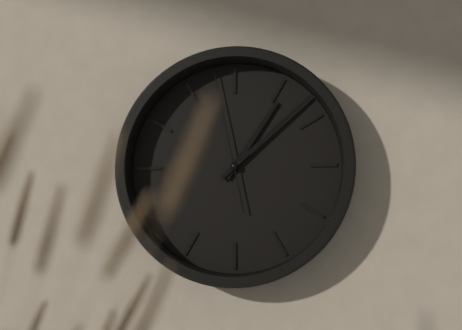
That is 1.08.58
